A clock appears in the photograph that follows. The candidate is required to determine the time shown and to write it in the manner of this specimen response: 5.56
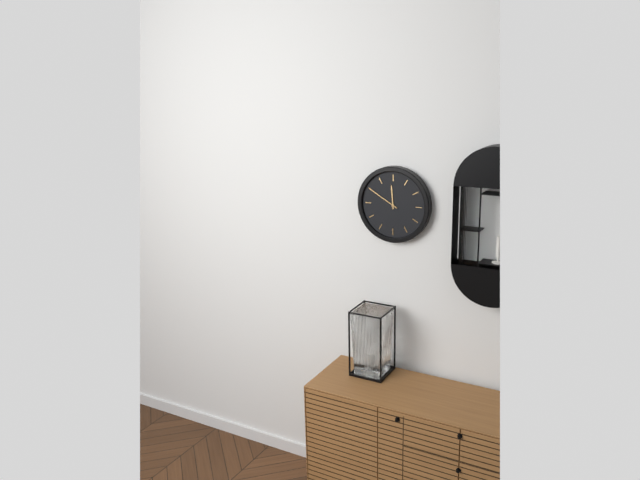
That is 11.50
